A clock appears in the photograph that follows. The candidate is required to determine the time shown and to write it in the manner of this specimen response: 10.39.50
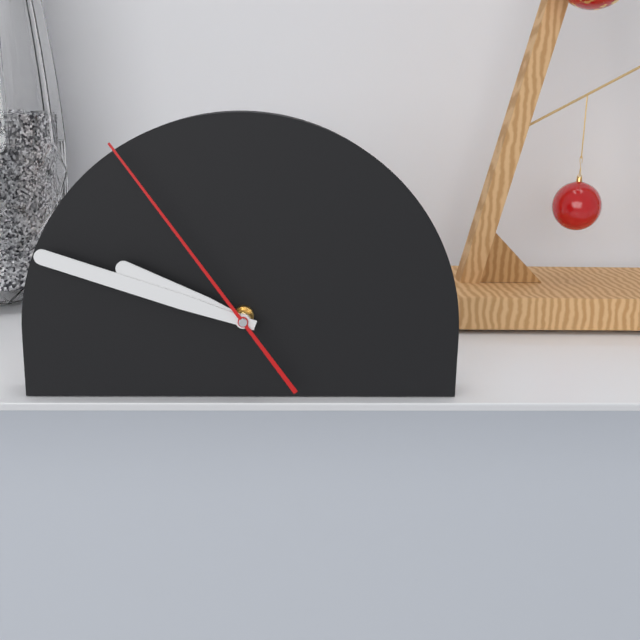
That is 9.48.54
